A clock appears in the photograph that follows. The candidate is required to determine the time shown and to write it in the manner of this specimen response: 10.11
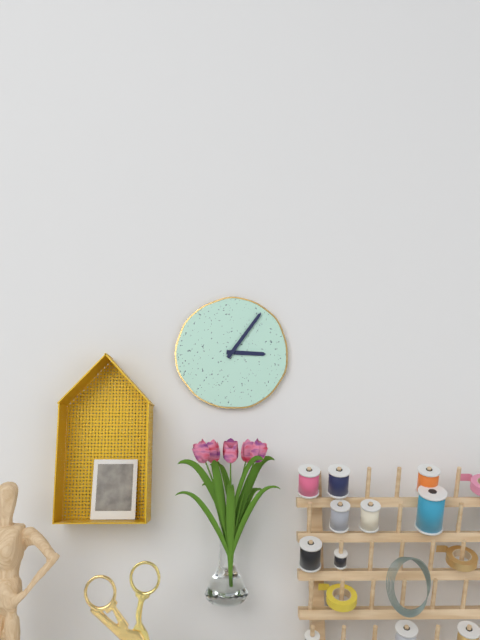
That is 3.06
